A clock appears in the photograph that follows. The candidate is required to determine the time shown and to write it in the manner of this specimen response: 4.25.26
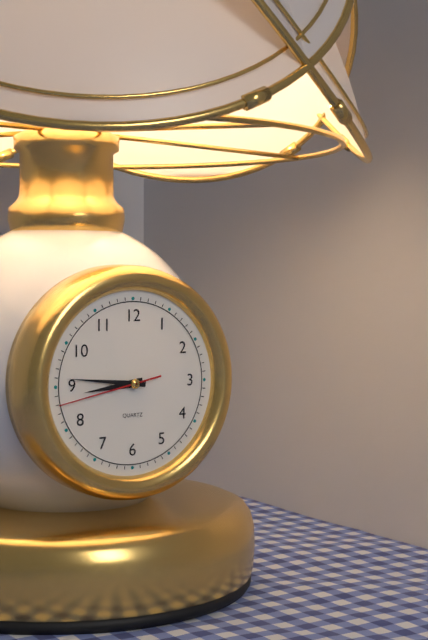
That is 8.46.43
